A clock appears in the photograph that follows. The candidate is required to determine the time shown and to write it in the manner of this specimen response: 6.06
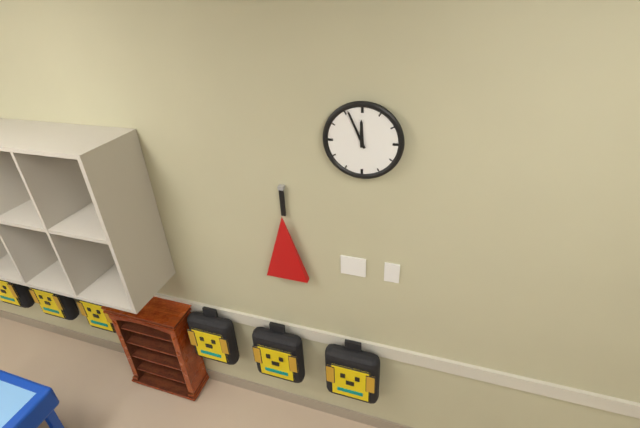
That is 11.56
